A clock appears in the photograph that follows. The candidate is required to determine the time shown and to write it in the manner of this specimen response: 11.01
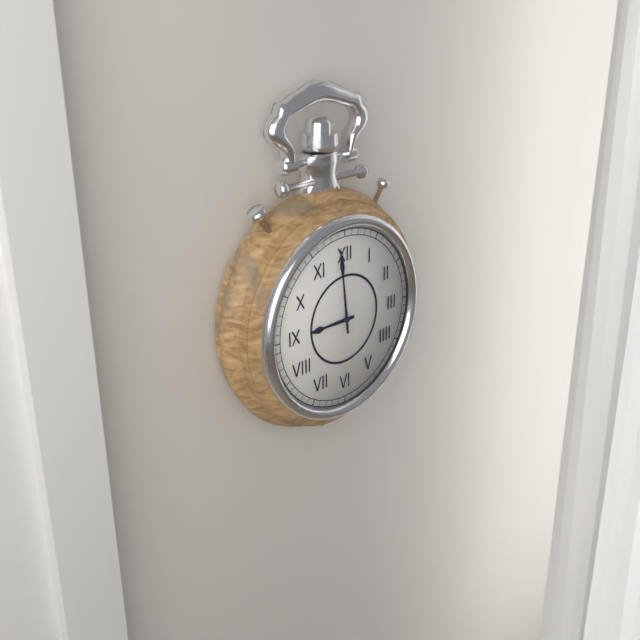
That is 8.59
